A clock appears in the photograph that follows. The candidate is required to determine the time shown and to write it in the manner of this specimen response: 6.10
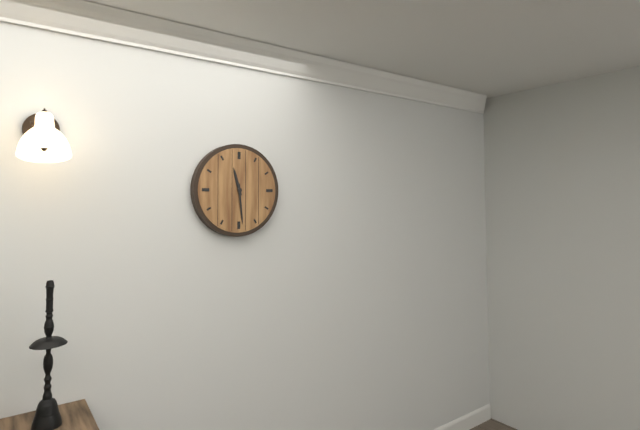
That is 11.29
